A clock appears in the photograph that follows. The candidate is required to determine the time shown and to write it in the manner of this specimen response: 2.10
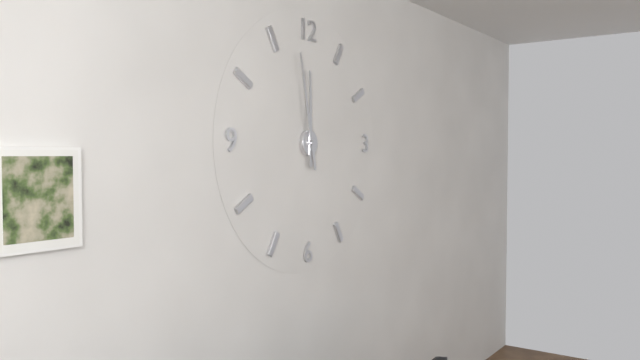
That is 11.58
